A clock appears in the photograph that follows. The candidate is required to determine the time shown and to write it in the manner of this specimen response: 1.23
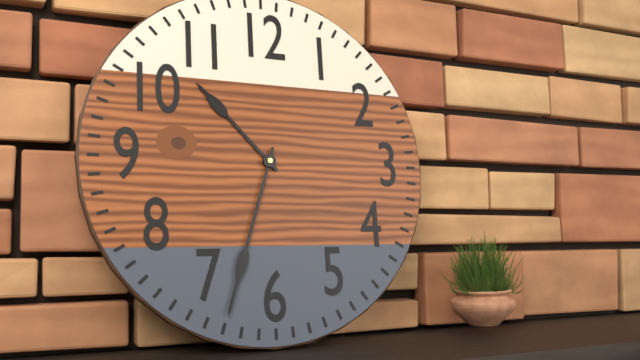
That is 10.33
